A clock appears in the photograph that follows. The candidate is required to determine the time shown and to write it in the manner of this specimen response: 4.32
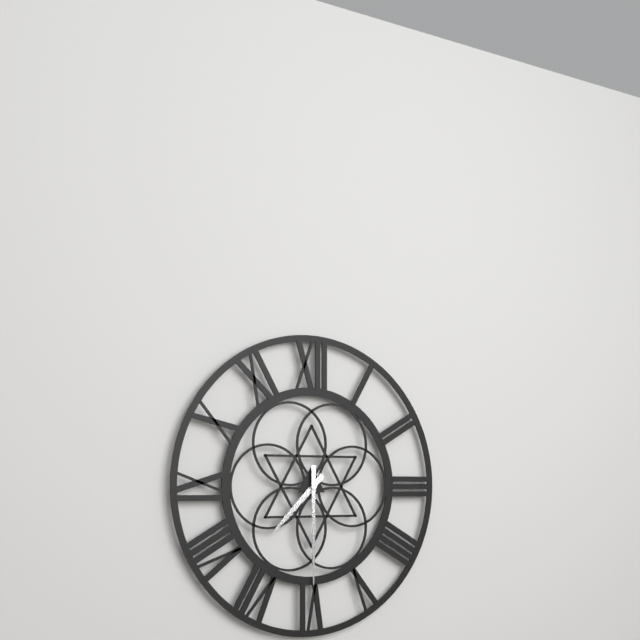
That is 7.30
